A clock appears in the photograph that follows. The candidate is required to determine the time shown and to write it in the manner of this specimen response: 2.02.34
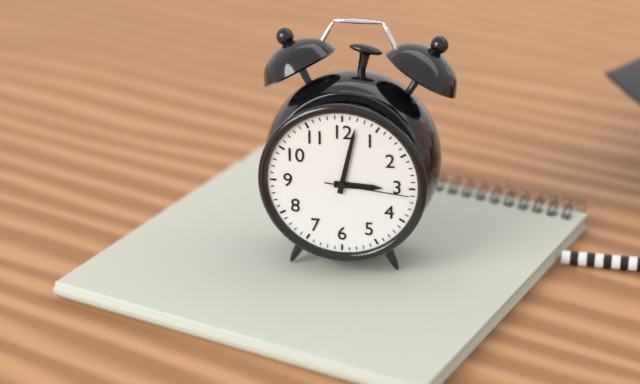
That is 3.02.16
